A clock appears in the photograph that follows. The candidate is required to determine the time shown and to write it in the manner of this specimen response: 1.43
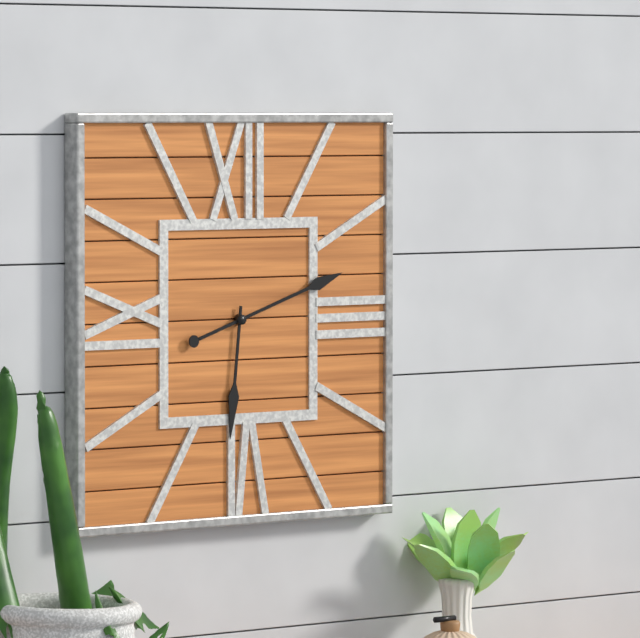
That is 6.12
